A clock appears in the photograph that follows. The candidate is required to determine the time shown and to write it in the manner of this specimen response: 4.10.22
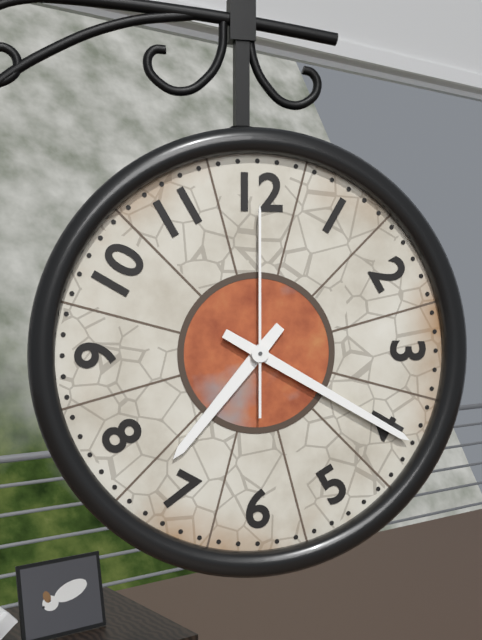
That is 7.20.00
